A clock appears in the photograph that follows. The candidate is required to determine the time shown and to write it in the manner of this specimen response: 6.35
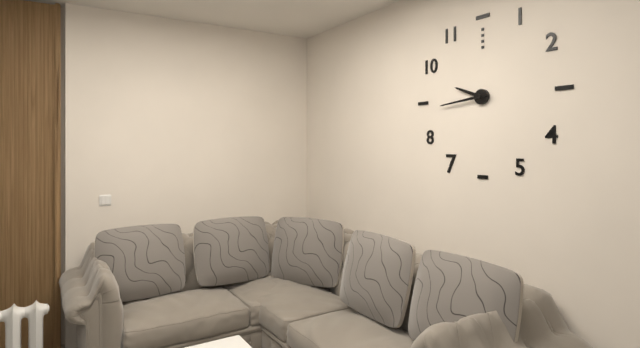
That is 9.44
